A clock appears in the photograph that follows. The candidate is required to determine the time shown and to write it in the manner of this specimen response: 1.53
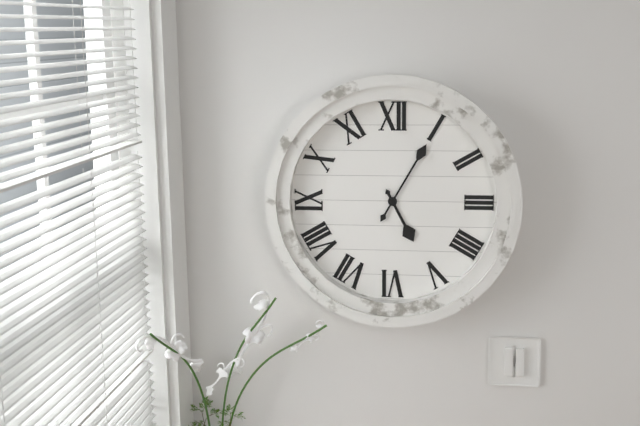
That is 5.05
